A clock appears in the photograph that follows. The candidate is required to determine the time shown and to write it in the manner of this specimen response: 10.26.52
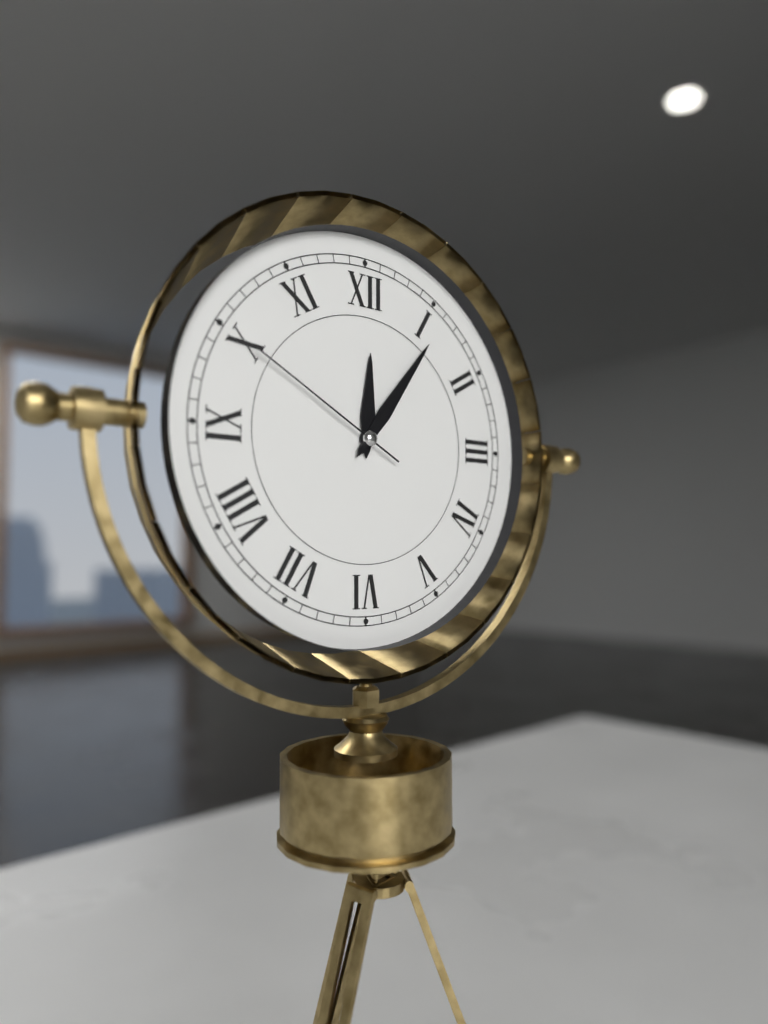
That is 12.06.50
